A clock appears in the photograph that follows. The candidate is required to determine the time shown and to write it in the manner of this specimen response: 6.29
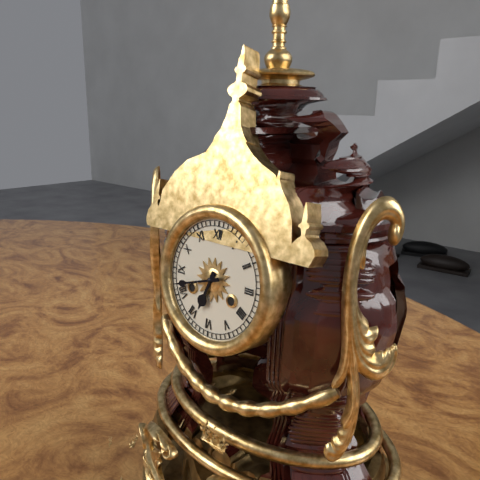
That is 6.42
